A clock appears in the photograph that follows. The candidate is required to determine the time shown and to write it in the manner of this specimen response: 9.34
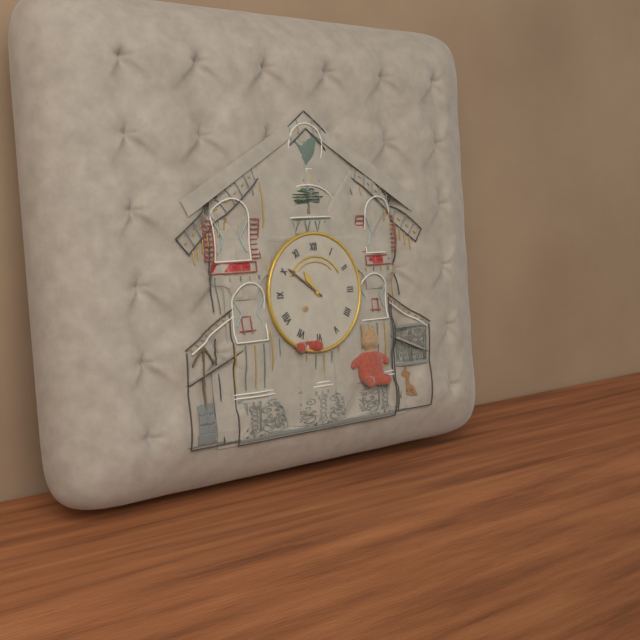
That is 10.51
